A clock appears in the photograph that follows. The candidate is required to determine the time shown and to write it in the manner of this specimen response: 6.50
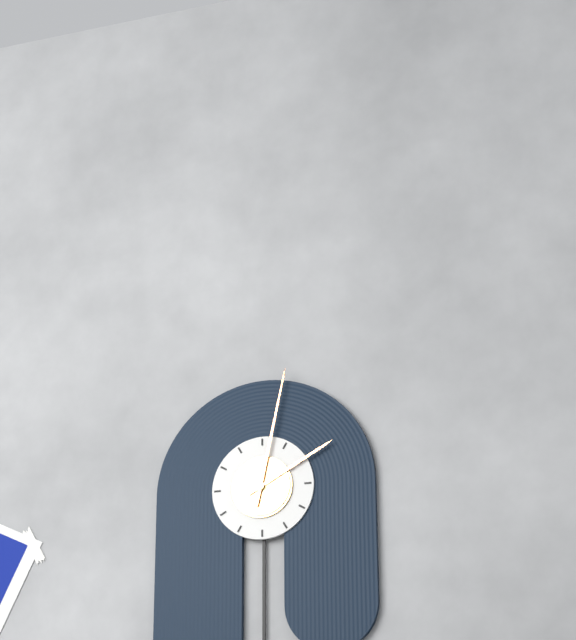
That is 2.02
